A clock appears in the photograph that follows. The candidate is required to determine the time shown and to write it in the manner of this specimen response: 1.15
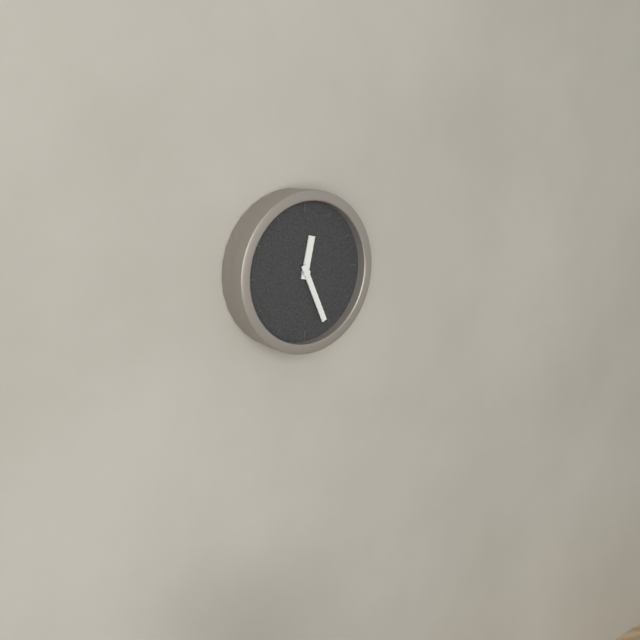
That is 12.26
